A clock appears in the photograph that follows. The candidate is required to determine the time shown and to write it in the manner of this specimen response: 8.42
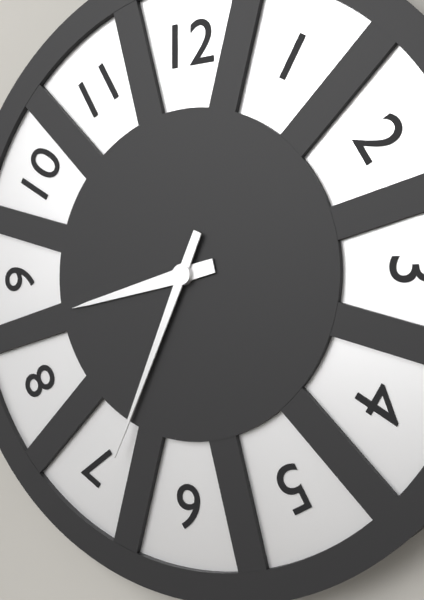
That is 8.34
